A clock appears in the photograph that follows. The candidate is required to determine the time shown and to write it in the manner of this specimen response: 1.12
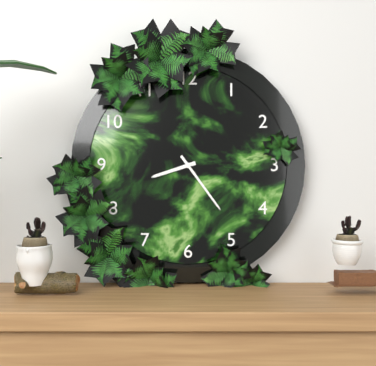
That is 8.24
